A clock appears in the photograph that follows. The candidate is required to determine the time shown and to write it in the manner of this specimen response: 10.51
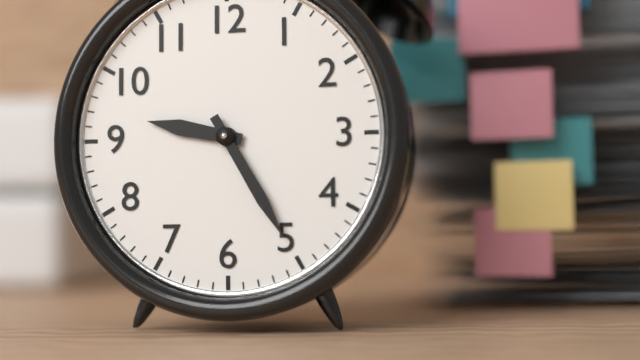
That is 9.25
